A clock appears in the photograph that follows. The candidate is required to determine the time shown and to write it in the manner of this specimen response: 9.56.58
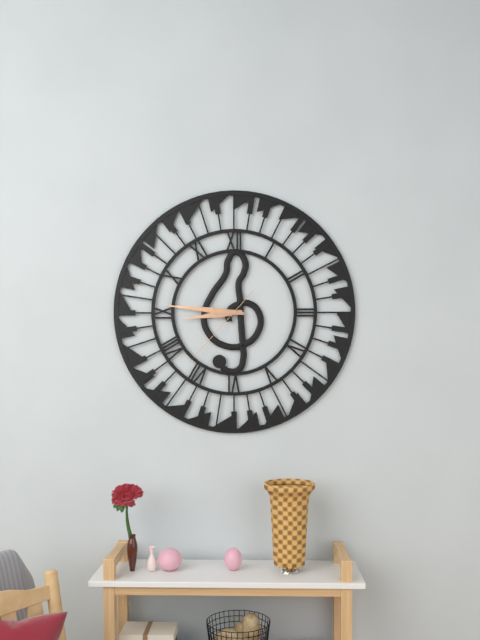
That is 8.46.37
